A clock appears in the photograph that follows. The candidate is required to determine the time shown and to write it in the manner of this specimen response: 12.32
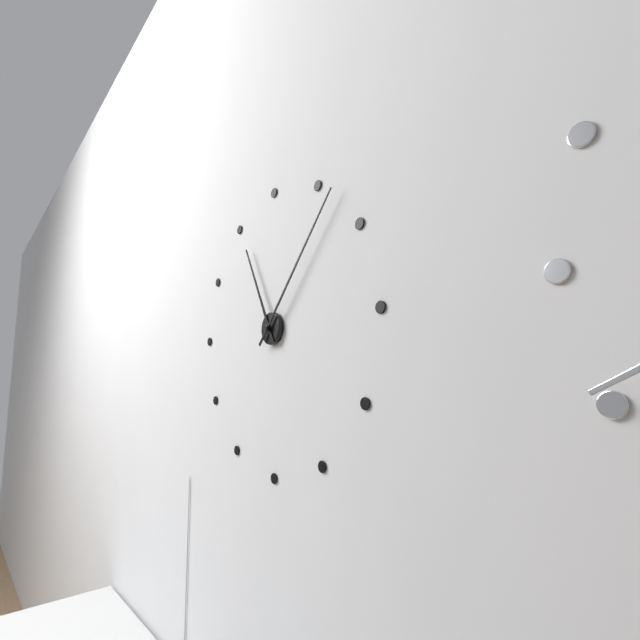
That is 11.07
